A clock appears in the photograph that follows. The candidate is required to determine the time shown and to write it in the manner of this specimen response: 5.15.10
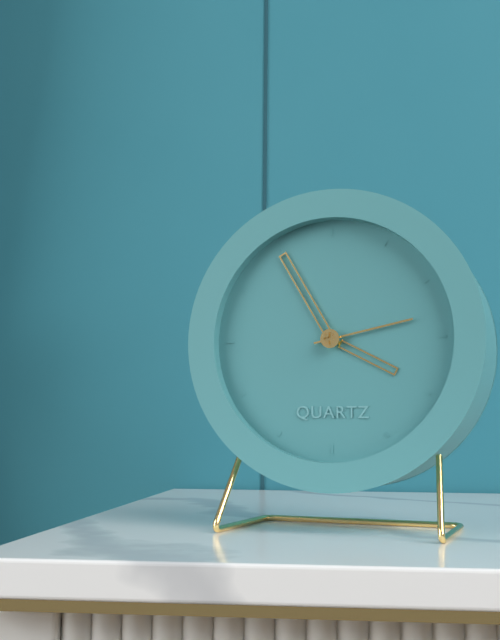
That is 3.55.13
